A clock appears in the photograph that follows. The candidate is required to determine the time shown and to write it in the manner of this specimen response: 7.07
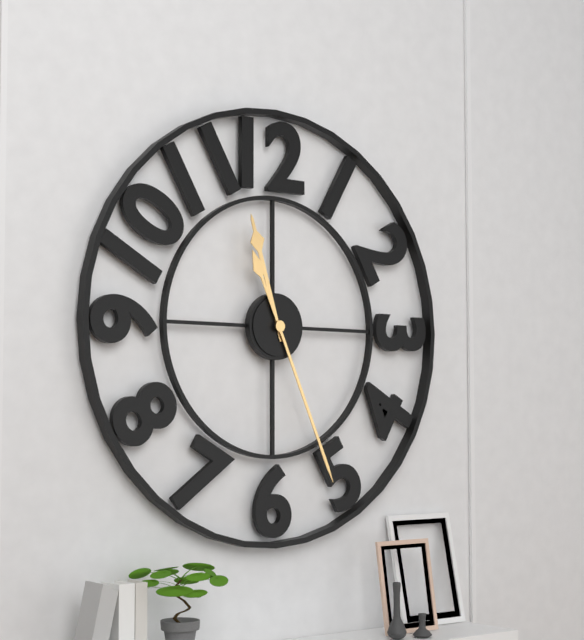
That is 11.26
